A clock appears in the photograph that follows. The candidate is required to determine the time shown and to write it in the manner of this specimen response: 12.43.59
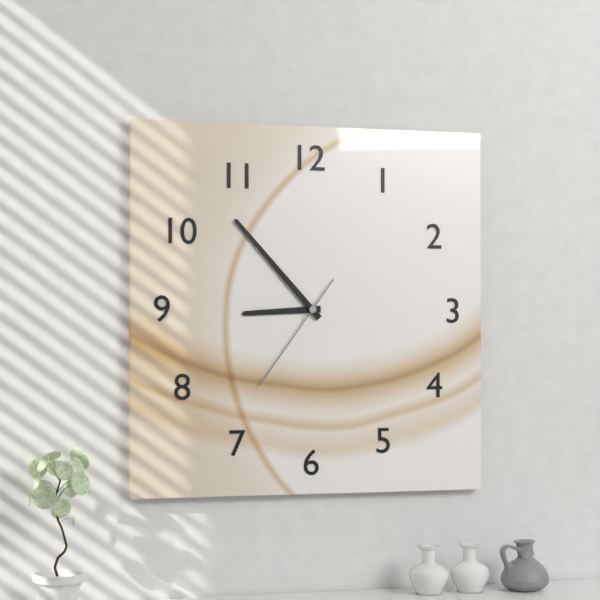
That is 8.53.36
